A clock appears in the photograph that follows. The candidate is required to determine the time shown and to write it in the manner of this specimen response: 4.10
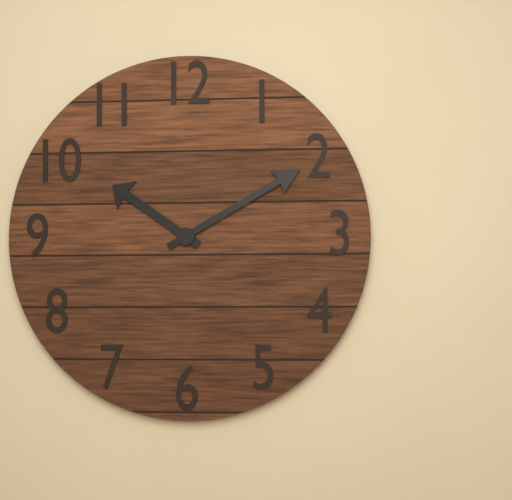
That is 10.10
